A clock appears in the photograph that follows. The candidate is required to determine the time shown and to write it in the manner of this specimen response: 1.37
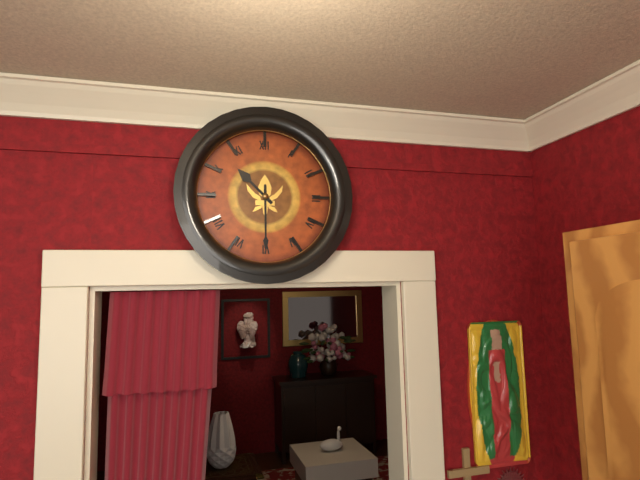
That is 10.30
